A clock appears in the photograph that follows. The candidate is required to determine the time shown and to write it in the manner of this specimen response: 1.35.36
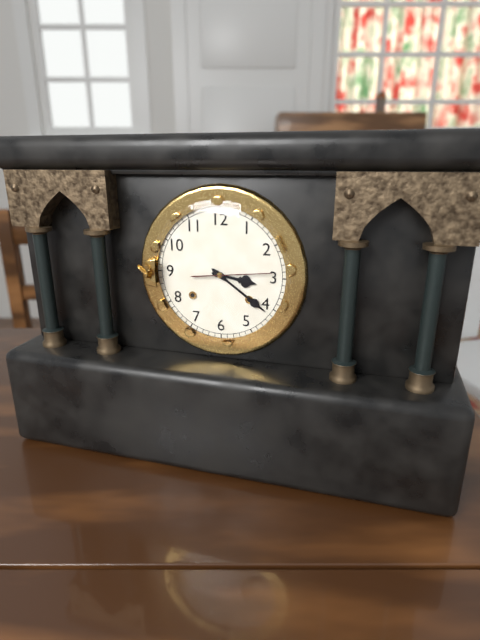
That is 3.21.14
